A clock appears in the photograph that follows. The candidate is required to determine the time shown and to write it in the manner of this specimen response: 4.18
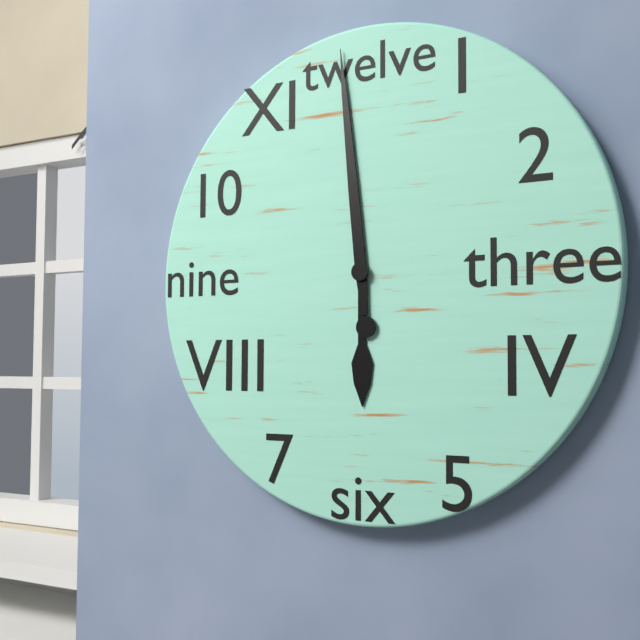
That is 5.59
